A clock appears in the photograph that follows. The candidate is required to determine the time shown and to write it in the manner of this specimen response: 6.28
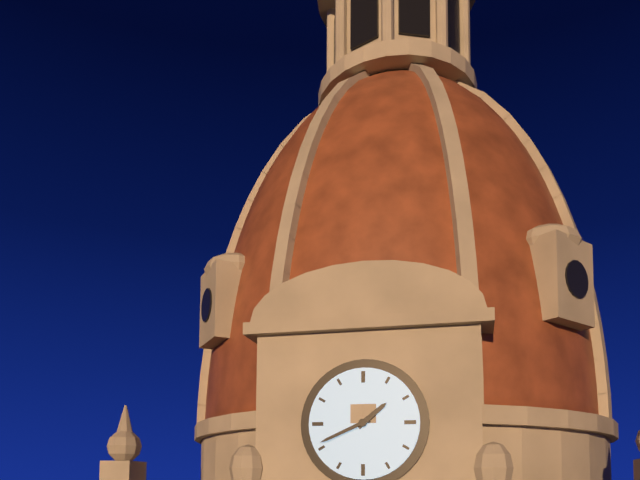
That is 1.41
